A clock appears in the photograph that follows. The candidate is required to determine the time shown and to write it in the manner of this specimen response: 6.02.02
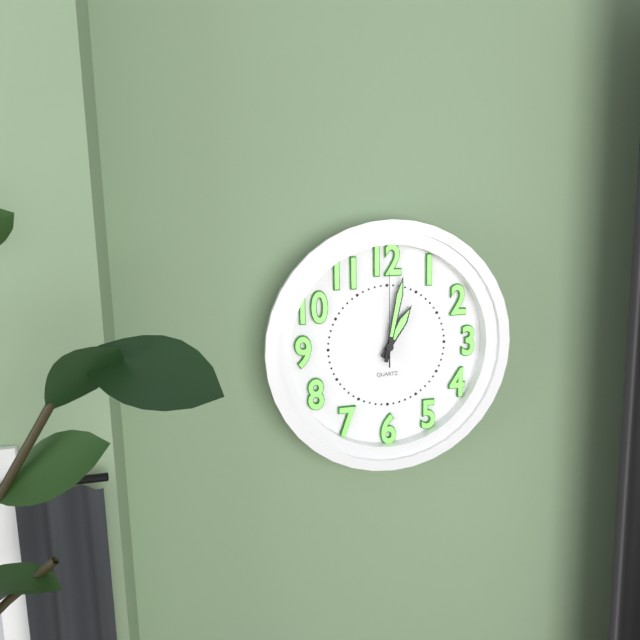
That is 1.02.00
